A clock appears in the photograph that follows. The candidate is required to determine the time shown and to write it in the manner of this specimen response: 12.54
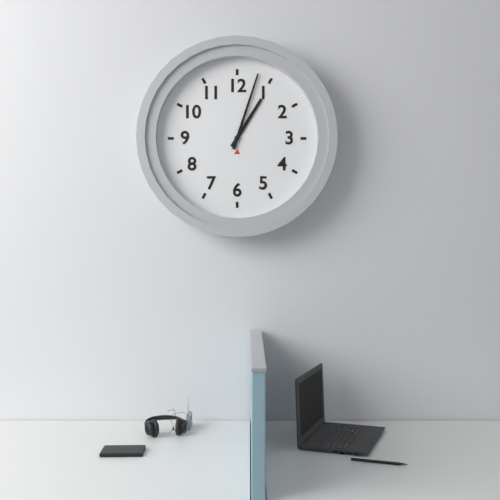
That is 1.03
